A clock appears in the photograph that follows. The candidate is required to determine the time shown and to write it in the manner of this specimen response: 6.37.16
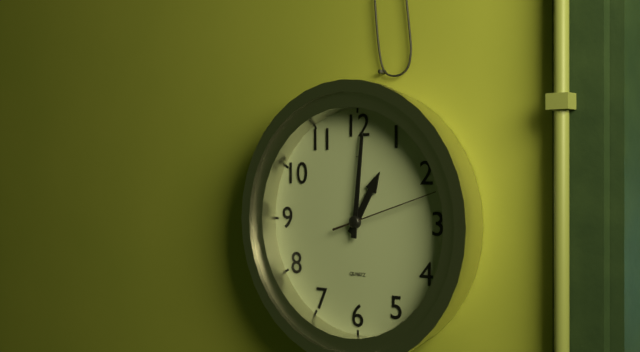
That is 1.01.12
